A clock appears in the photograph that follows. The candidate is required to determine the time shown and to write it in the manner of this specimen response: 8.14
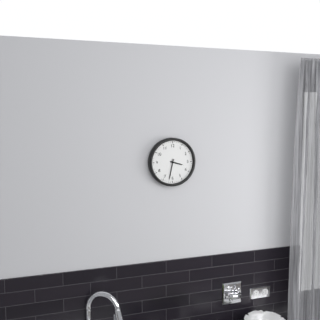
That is 3.32
